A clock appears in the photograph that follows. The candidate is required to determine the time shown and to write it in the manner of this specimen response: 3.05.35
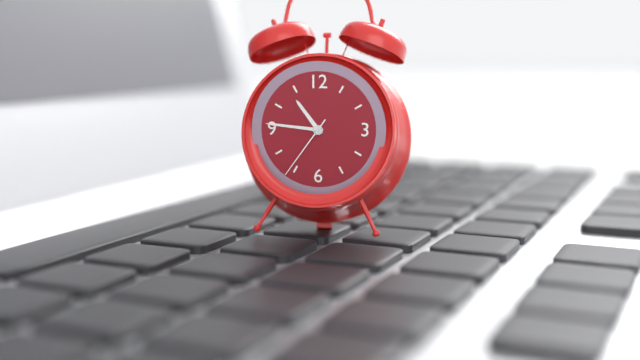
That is 10.46.36
